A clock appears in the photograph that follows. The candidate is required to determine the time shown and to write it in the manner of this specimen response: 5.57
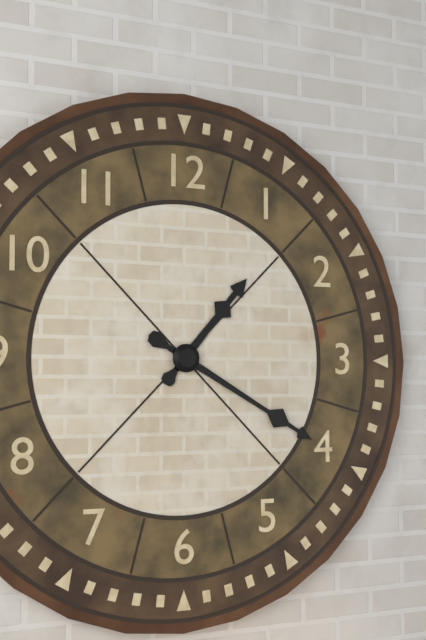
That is 1.20
